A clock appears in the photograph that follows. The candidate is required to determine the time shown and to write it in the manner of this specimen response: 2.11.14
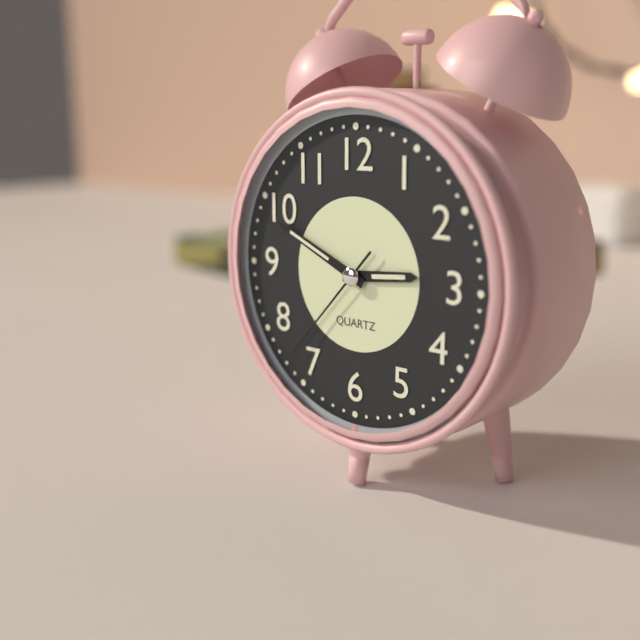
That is 2.49.37
